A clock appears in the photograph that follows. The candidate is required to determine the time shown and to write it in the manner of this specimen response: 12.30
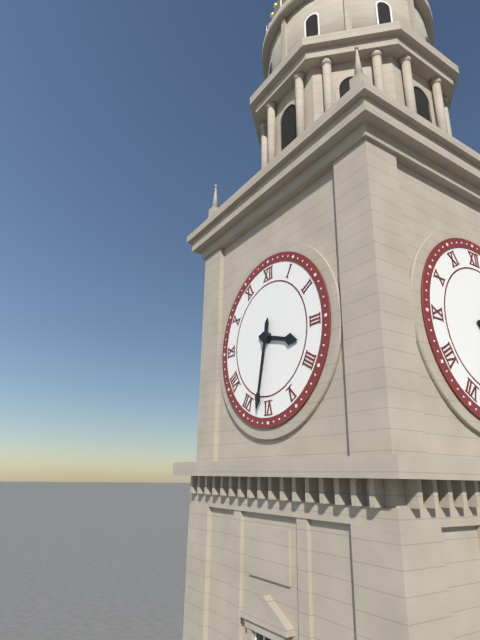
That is 3.32
